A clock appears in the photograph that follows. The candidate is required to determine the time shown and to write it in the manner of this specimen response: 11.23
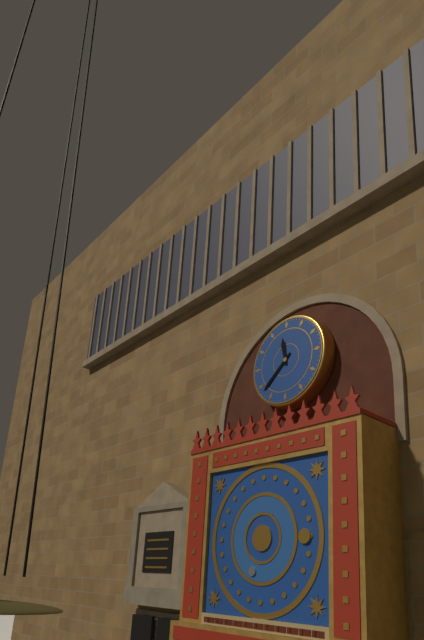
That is 11.38
